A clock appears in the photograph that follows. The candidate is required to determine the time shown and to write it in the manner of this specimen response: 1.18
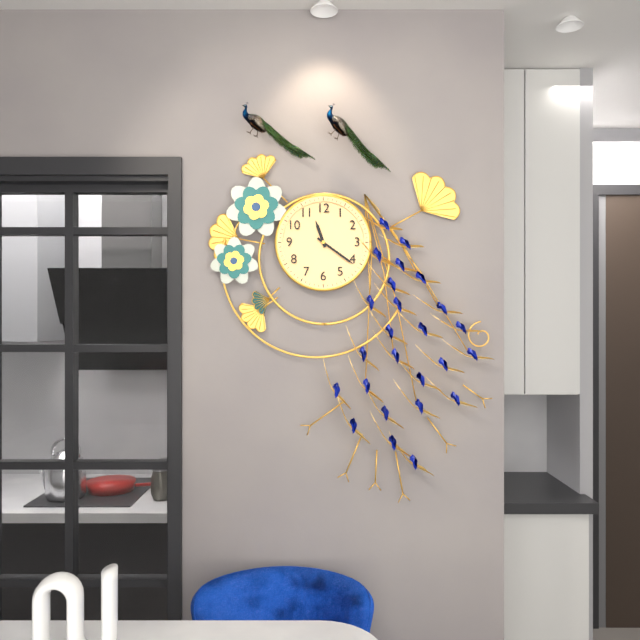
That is 11.21
